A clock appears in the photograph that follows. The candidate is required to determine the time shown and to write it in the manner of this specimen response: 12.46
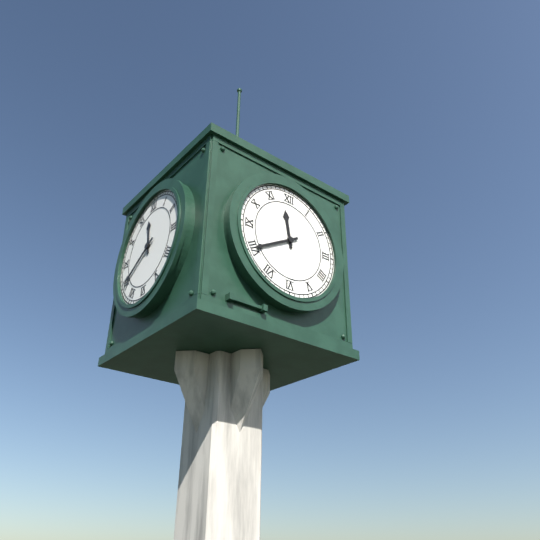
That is 11.40
